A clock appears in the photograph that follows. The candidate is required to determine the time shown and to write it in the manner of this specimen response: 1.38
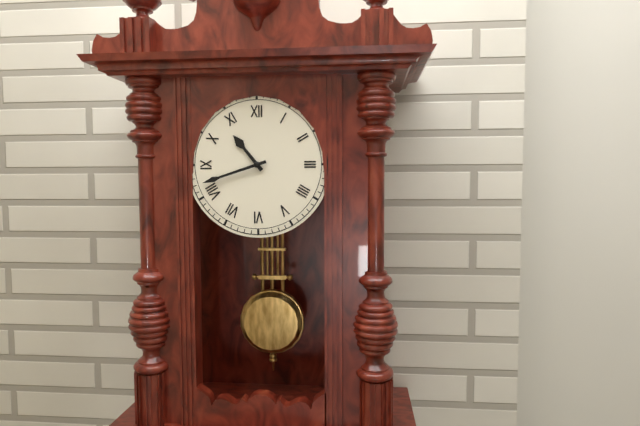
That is 10.42
